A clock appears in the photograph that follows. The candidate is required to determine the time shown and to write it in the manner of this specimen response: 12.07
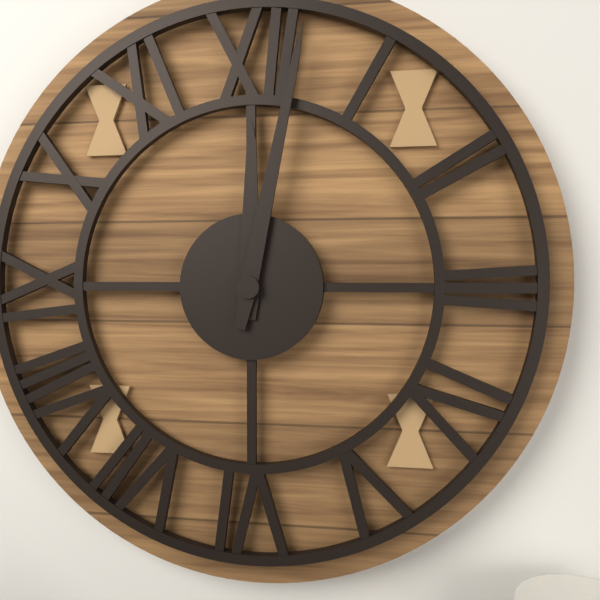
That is 12.02
